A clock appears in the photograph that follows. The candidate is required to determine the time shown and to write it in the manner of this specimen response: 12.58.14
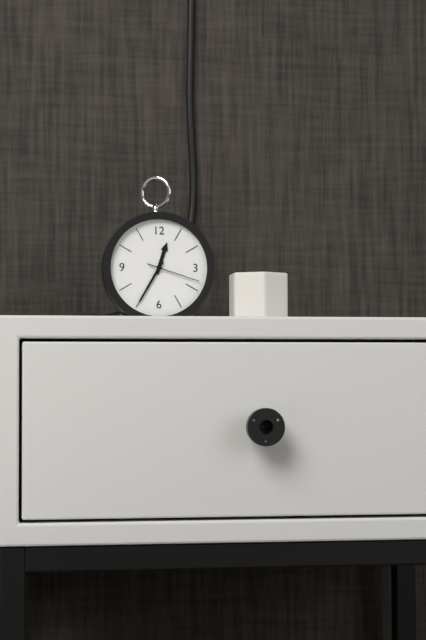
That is 12.35.18
